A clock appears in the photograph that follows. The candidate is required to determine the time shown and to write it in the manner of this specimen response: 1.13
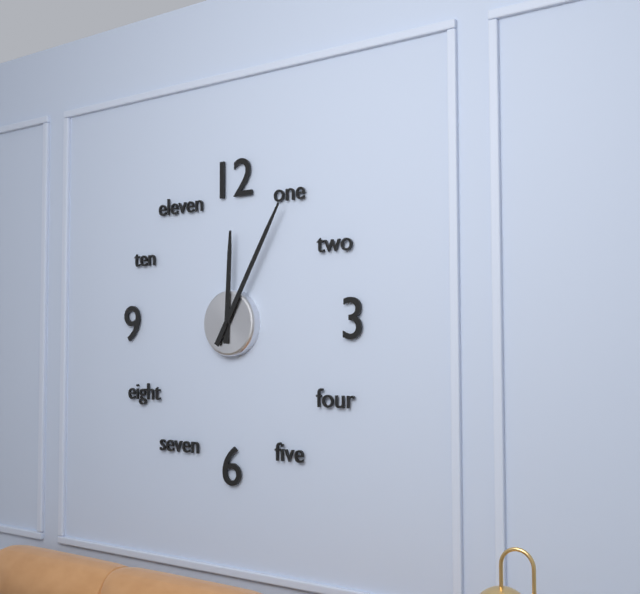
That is 12.05
